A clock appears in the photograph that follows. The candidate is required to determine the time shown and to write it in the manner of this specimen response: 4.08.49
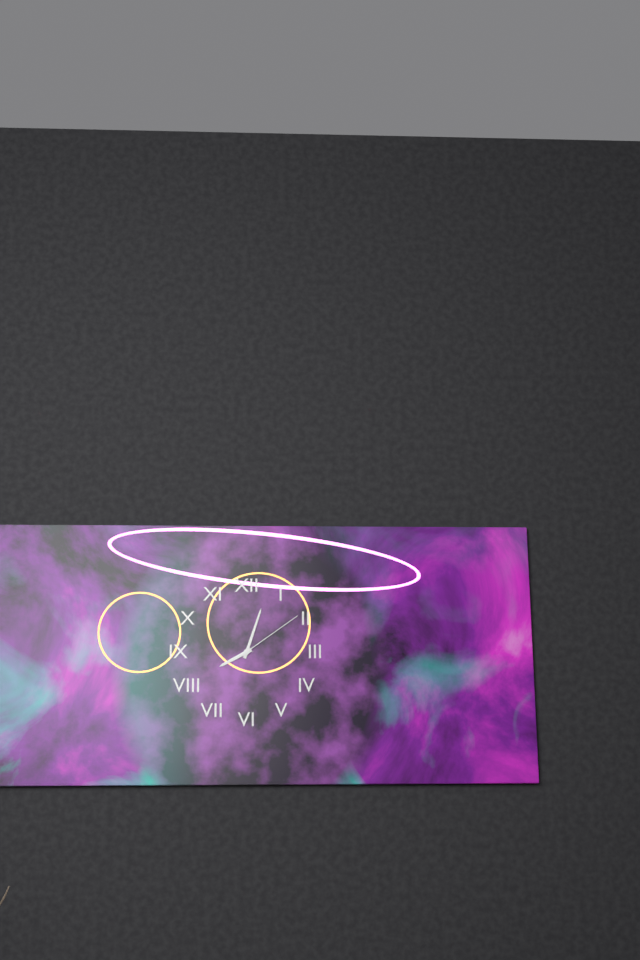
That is 8.03.09
